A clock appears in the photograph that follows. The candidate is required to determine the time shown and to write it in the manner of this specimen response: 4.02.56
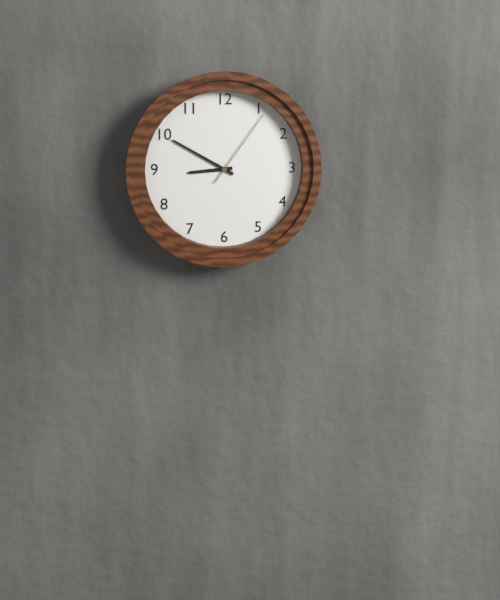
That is 8.50.06
